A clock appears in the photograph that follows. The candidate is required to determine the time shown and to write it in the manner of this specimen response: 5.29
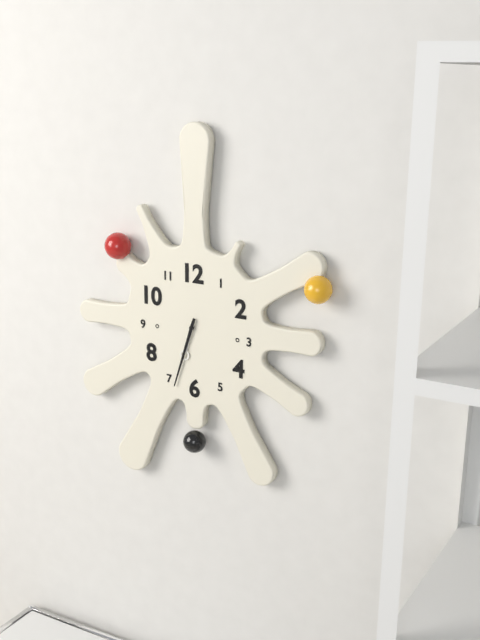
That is 6.33
